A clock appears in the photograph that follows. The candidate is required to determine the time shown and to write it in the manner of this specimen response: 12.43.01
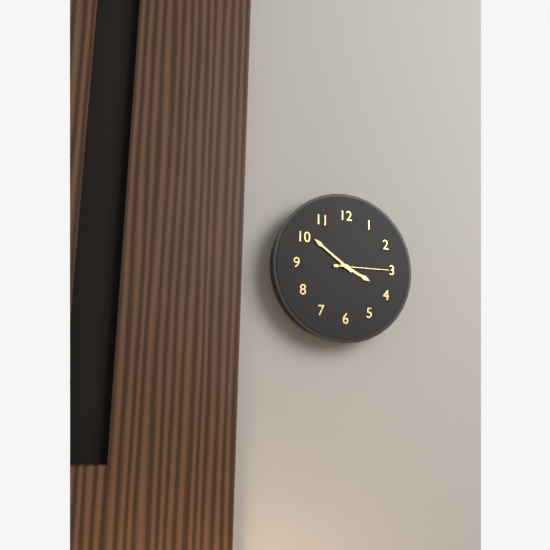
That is 3.51.15
